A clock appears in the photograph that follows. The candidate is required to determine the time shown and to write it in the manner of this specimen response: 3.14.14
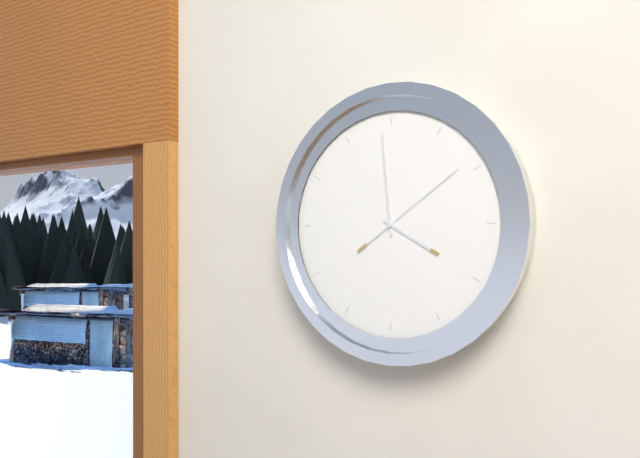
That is 3.59.09
